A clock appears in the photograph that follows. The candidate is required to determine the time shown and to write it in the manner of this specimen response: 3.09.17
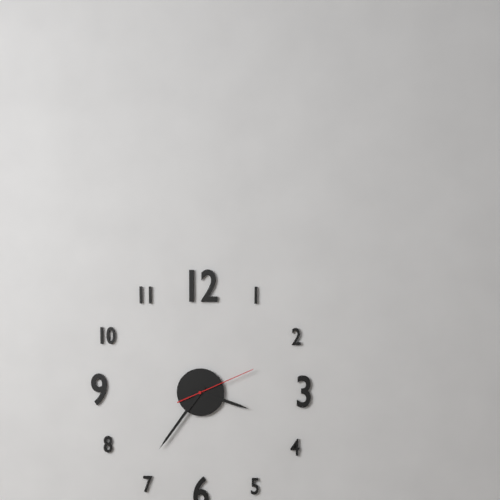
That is 3.36.11
